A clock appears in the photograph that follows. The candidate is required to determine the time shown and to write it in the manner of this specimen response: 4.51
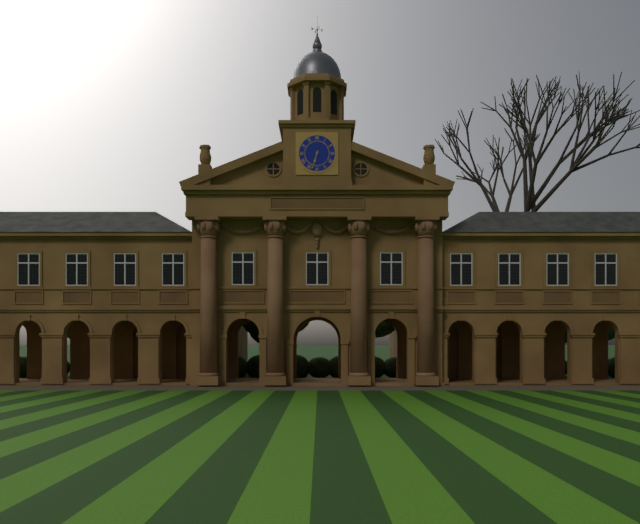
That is 6.33
